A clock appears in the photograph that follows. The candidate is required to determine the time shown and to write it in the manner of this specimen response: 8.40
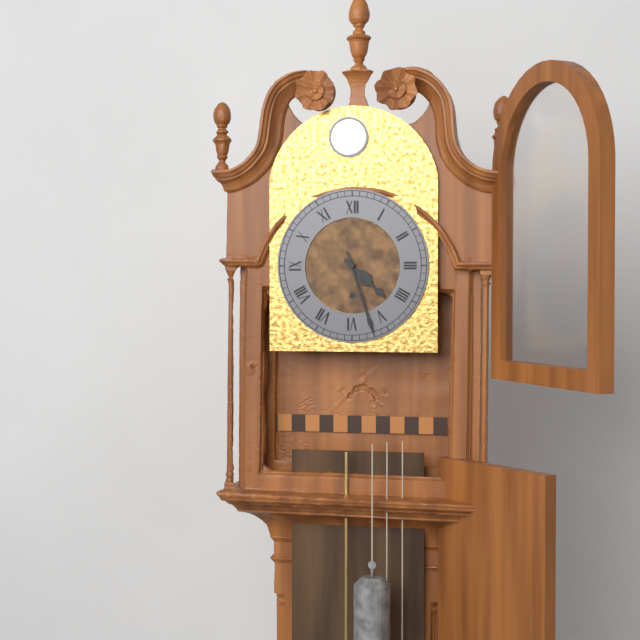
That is 4.27
